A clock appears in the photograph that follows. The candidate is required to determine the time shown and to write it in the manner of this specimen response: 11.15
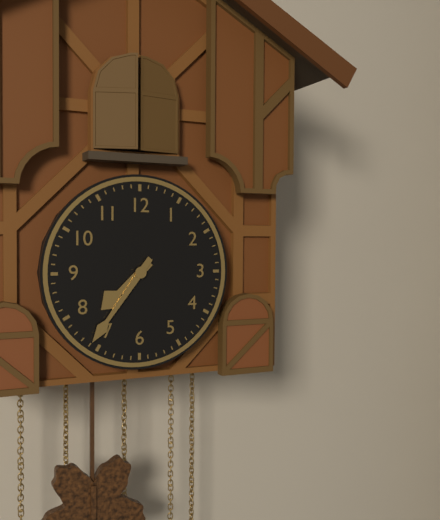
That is 7.36
